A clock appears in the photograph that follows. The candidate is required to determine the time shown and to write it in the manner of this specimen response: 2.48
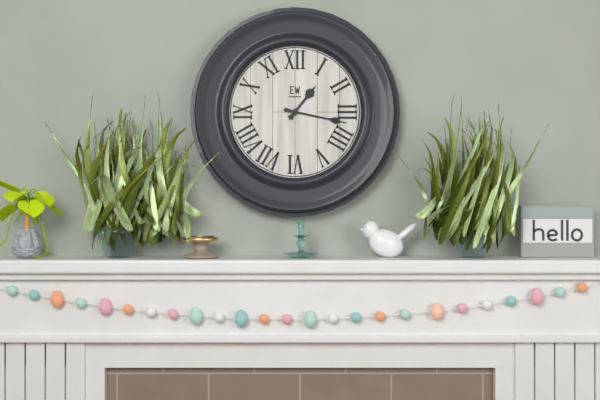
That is 1.17
